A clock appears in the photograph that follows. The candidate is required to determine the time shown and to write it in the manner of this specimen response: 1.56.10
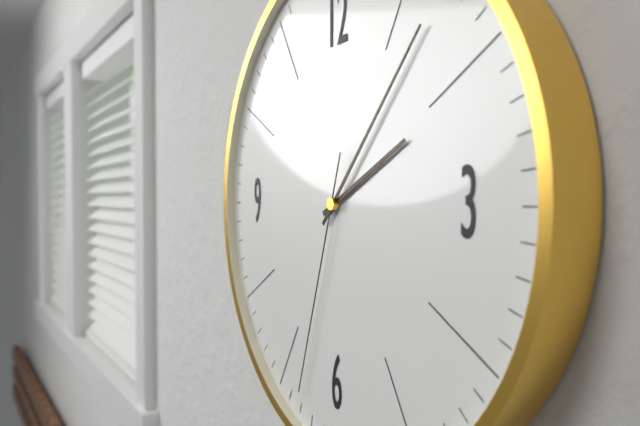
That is 2.07.33
